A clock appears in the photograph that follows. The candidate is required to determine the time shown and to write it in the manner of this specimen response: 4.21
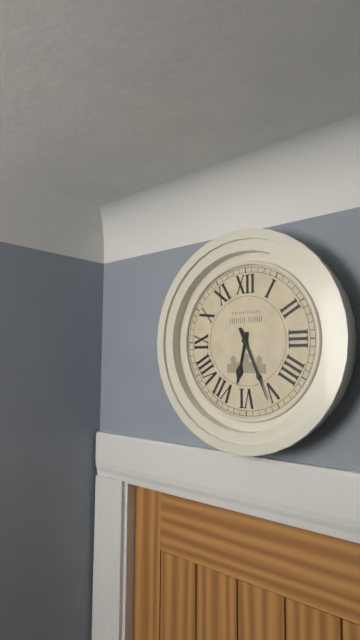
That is 6.26
